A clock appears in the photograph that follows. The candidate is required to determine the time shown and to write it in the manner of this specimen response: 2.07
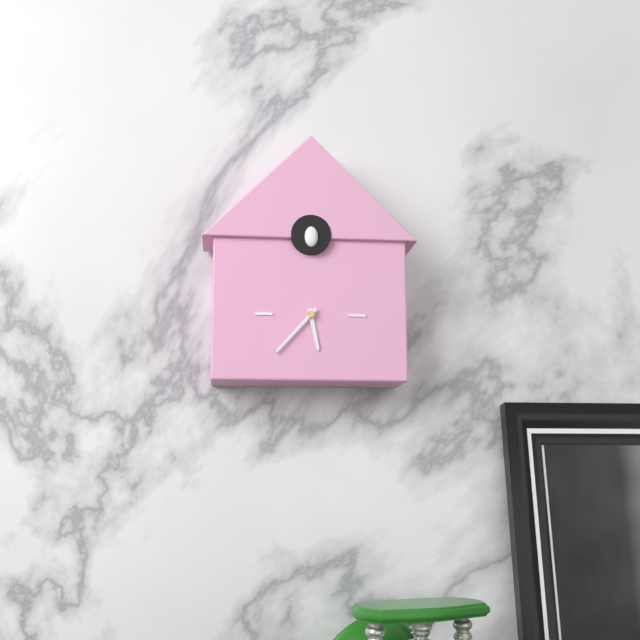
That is 5.37
